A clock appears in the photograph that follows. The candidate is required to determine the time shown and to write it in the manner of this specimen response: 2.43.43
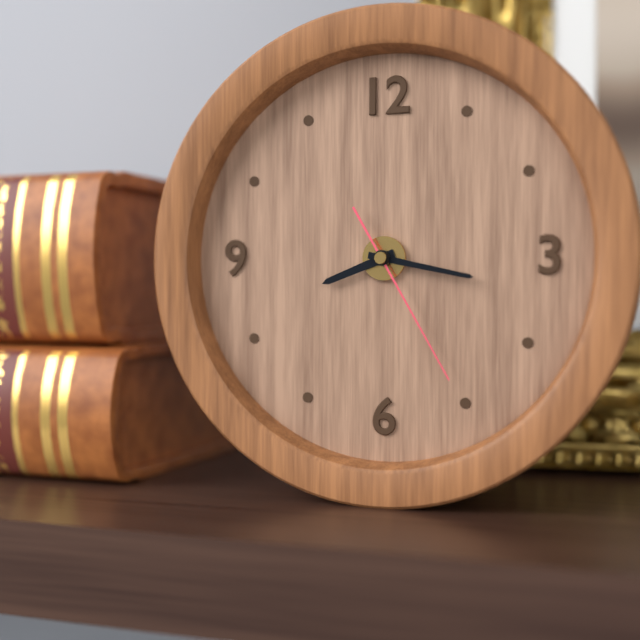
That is 8.17.25
